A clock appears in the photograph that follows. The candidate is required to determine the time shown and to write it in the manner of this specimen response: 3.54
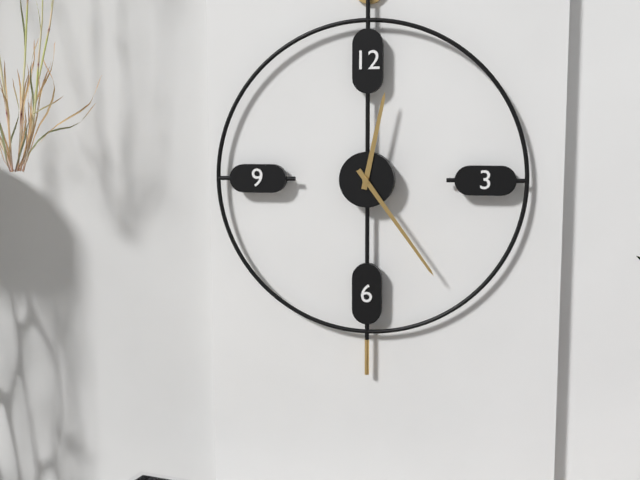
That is 12.24
